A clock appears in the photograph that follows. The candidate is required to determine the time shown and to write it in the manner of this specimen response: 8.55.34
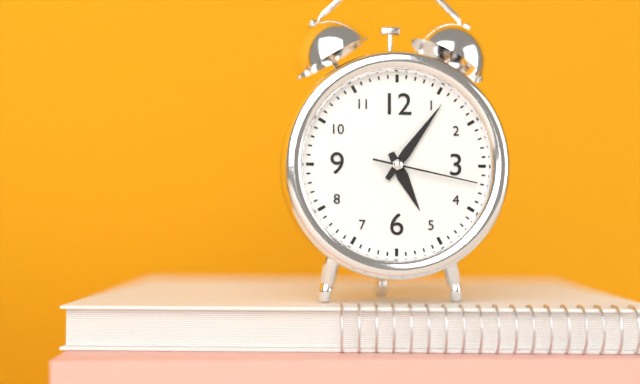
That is 5.06.17
